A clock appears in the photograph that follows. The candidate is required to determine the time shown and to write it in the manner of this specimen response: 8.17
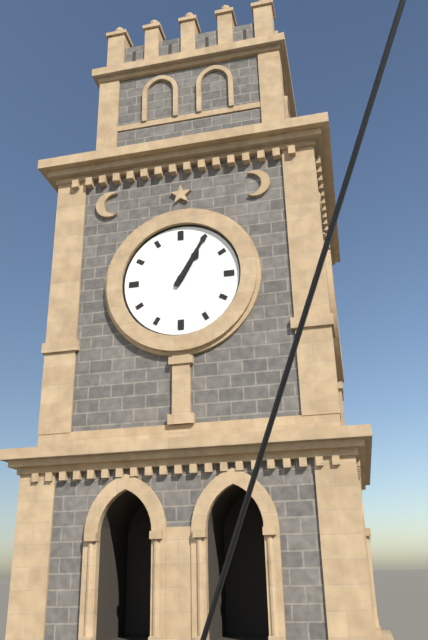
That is 1.05
